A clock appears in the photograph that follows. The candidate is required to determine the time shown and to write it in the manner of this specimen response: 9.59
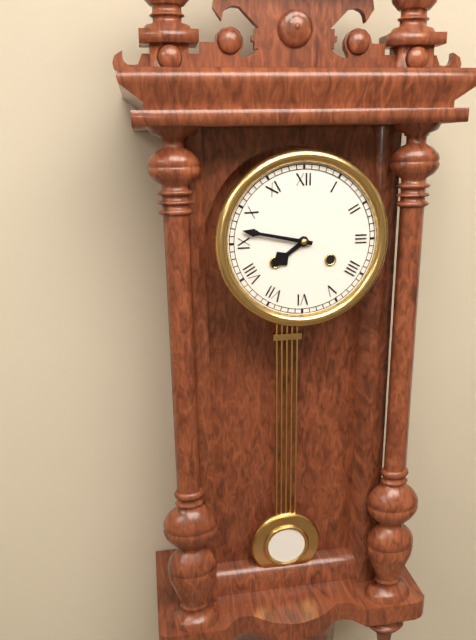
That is 7.47
